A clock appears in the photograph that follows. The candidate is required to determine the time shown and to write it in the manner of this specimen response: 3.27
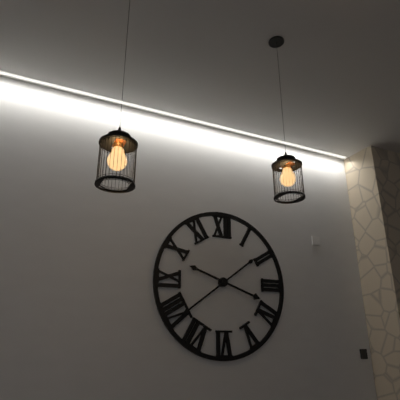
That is 3.39
